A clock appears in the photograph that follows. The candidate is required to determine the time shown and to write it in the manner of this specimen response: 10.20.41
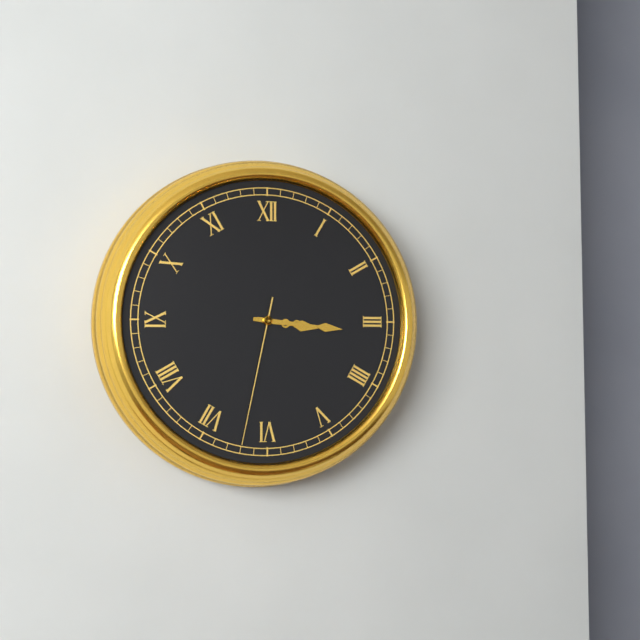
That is 3.16.32
